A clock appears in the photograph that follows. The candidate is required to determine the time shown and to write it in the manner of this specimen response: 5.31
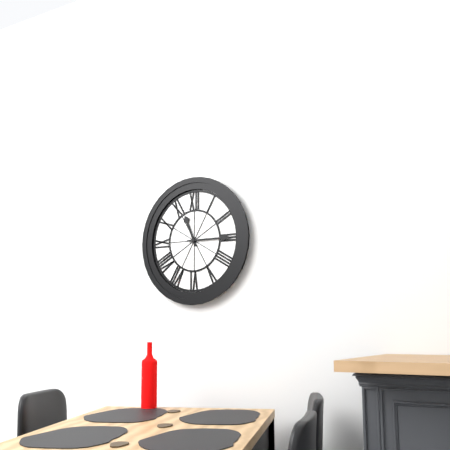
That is 11.15
